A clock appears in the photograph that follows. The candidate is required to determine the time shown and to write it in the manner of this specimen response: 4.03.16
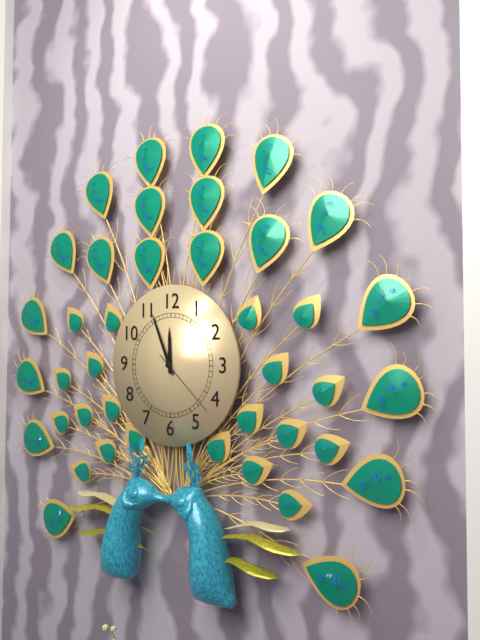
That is 11.56.22
